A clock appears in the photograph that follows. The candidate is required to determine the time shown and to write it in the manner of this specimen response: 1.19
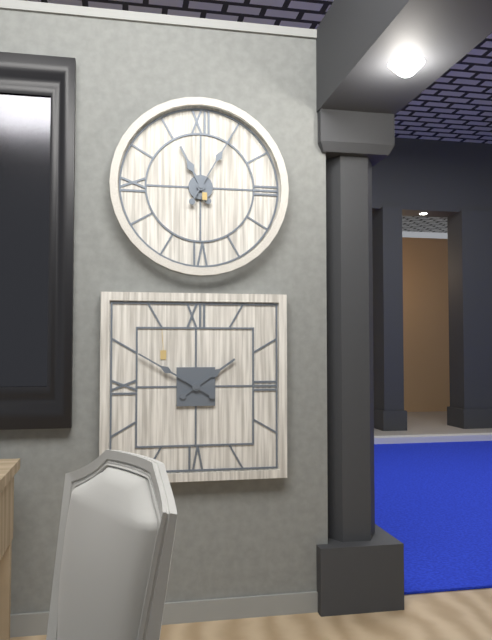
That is 11.05
